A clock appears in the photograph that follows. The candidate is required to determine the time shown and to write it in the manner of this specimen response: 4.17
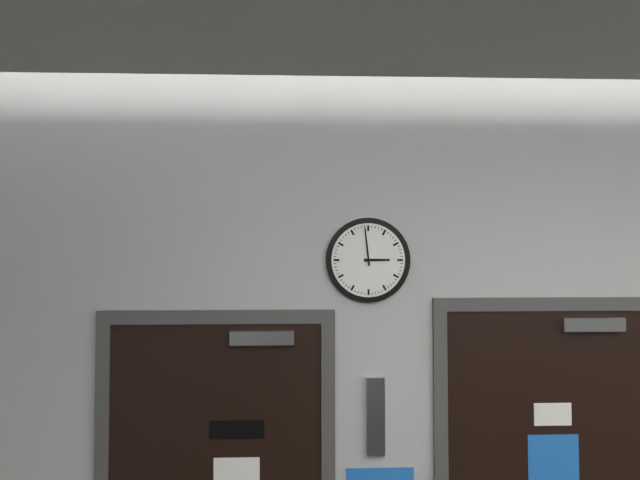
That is 2.59
